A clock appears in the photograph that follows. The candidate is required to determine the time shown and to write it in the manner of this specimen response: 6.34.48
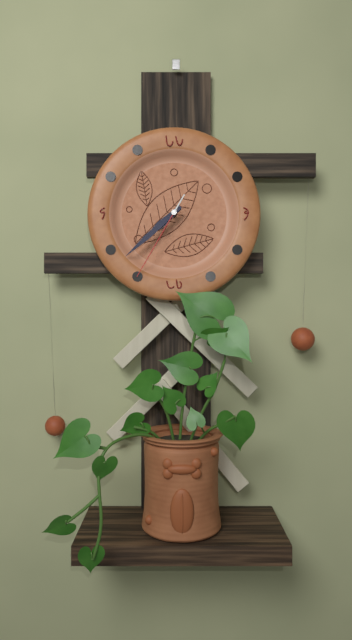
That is 7.38.35
